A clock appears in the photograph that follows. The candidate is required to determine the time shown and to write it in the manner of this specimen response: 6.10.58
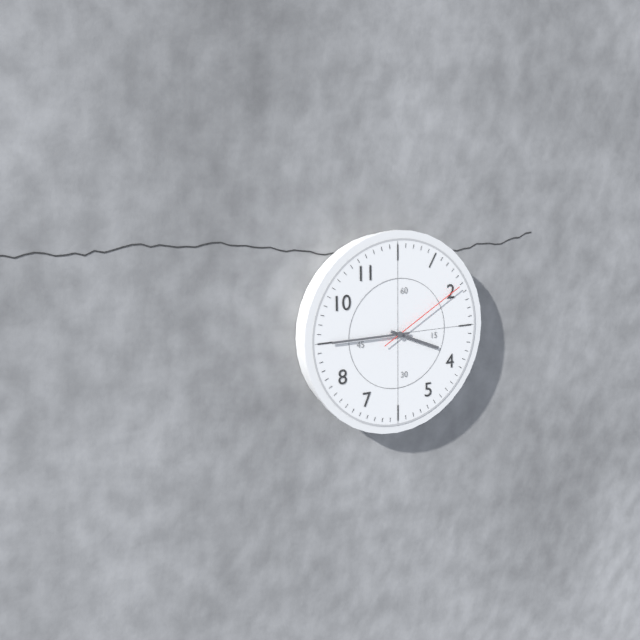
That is 3.45.10
